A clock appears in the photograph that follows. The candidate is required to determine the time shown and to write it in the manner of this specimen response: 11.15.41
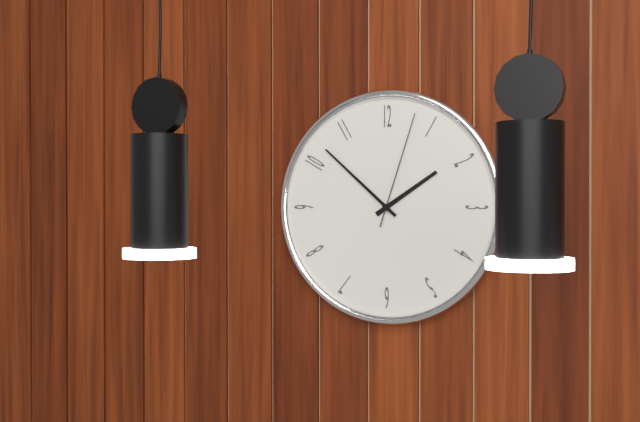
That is 1.52.03
